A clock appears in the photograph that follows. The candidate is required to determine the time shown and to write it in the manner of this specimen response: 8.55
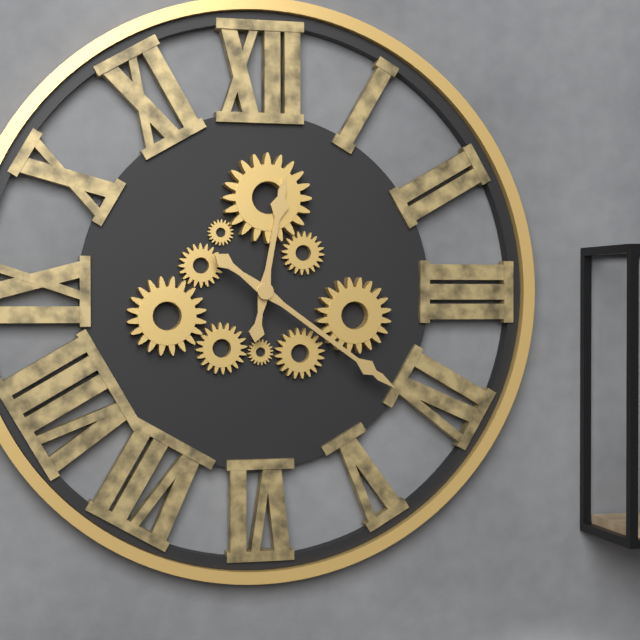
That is 12.21
